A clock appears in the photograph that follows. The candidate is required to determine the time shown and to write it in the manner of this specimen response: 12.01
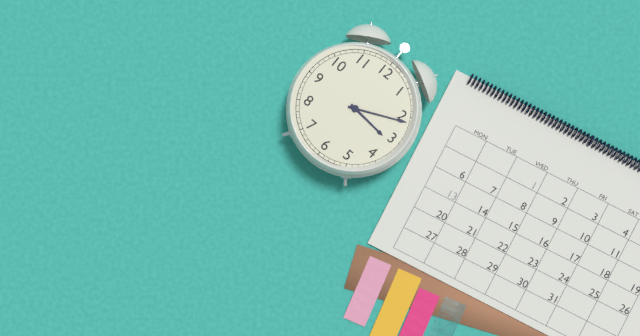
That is 3.11
